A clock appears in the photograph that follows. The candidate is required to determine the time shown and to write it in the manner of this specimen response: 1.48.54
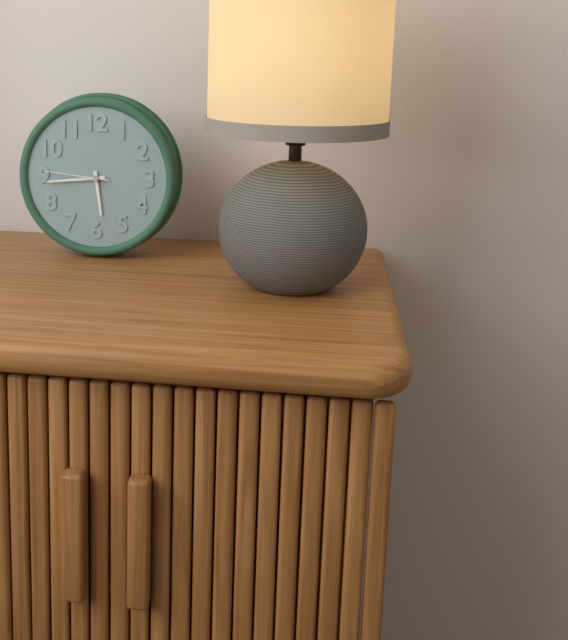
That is 5.44.46
